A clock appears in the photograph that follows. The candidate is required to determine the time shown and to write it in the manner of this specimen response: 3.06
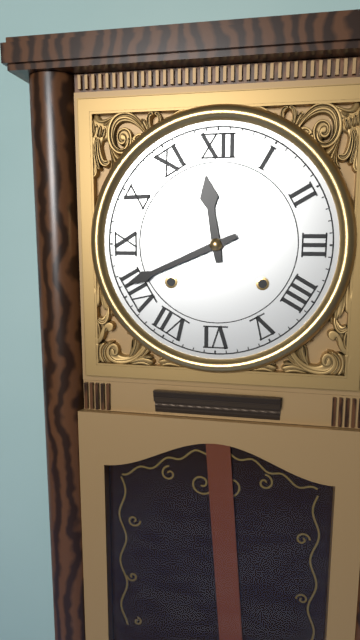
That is 11.41
